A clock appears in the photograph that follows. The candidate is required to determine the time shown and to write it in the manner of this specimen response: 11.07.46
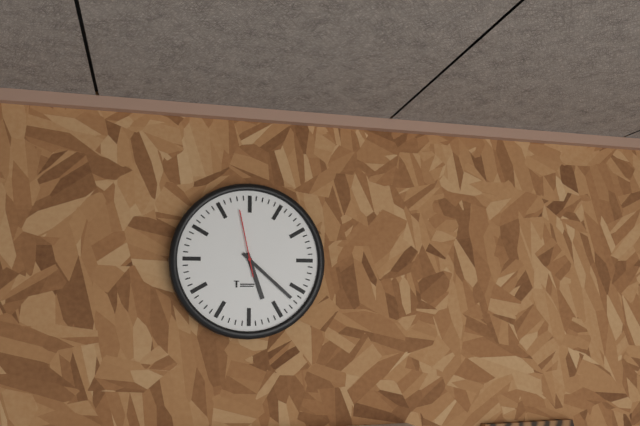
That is 5.22.58
